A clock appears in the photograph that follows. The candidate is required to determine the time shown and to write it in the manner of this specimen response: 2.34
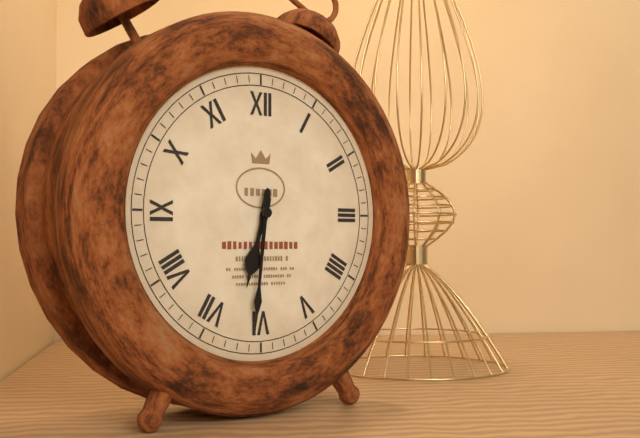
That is 6.31
